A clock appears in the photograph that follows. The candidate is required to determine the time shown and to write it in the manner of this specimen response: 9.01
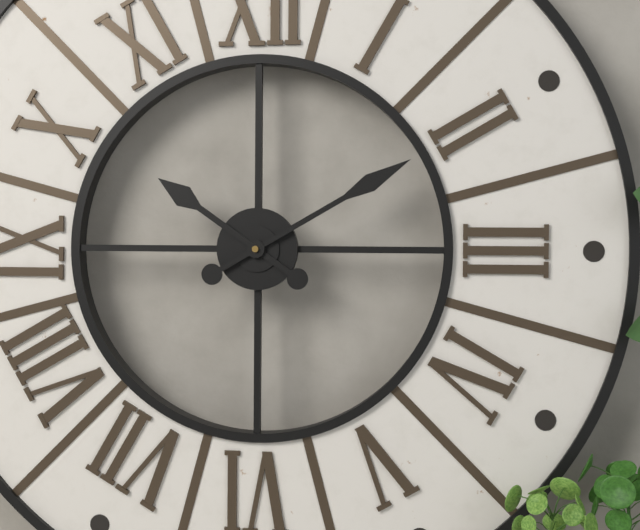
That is 10.10
